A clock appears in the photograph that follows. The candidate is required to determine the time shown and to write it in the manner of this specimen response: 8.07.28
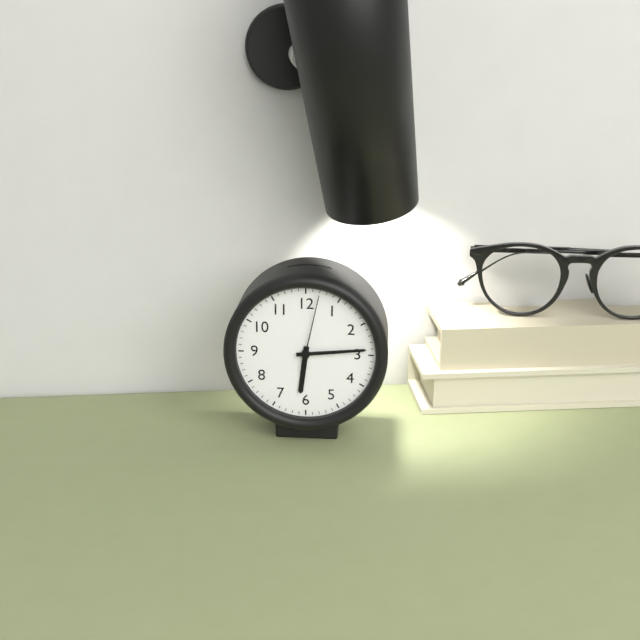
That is 6.14.02
